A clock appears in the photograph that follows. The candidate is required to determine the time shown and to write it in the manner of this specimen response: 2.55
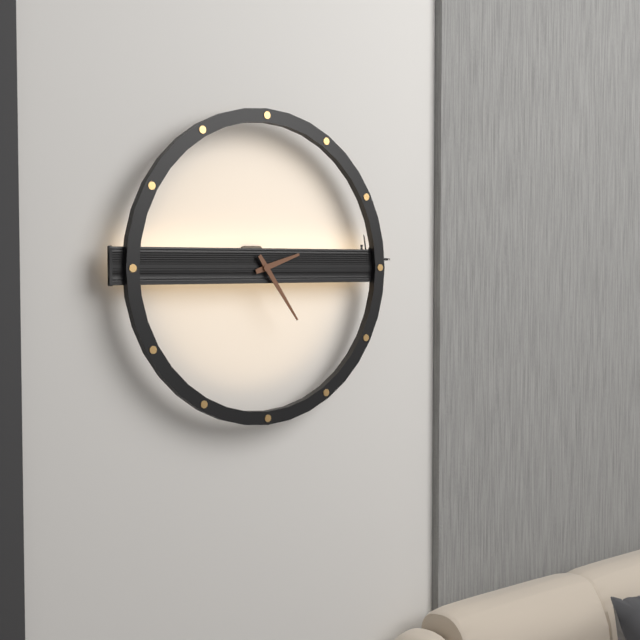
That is 2.24
